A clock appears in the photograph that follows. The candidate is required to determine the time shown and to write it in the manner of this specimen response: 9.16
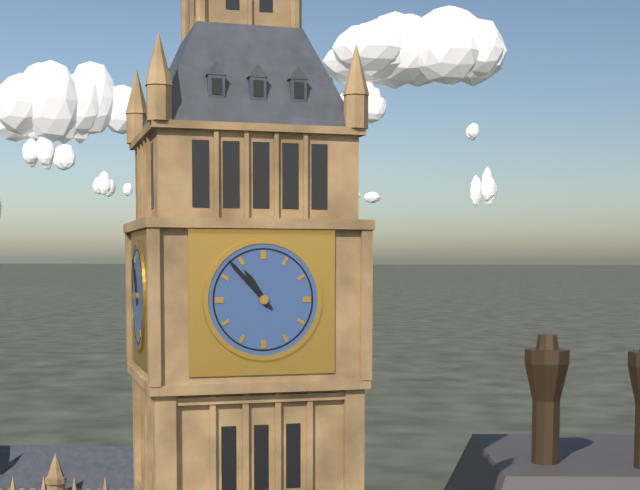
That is 10.53
